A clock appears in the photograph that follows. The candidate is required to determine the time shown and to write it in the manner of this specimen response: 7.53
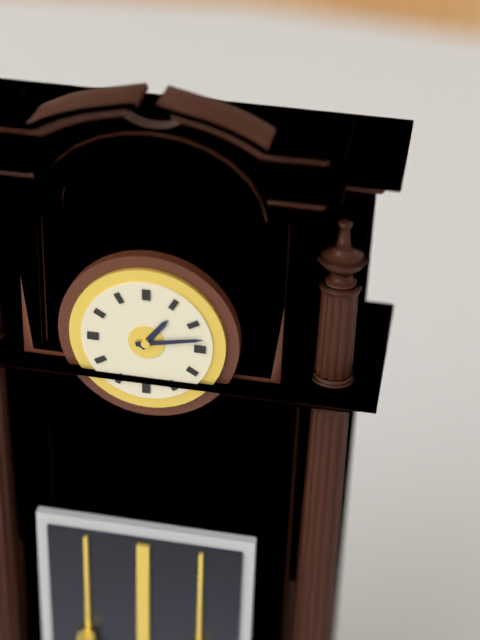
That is 1.13
